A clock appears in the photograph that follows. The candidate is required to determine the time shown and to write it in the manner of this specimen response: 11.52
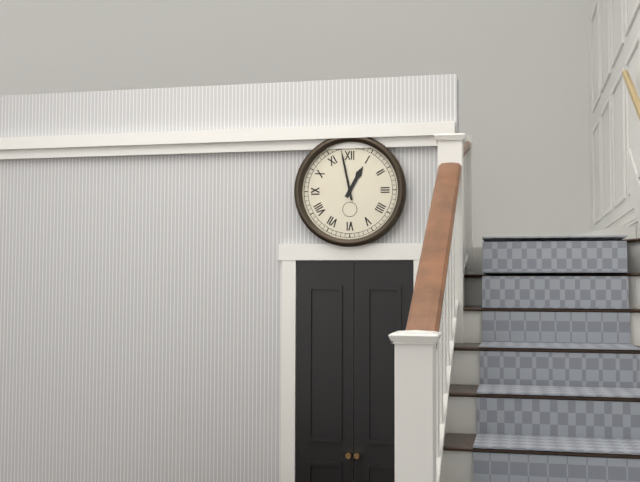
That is 12.58
